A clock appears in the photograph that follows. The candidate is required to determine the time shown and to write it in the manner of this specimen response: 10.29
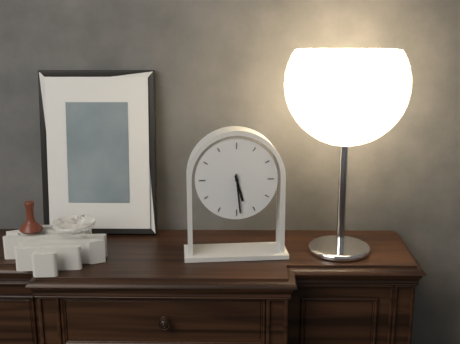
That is 5.29
